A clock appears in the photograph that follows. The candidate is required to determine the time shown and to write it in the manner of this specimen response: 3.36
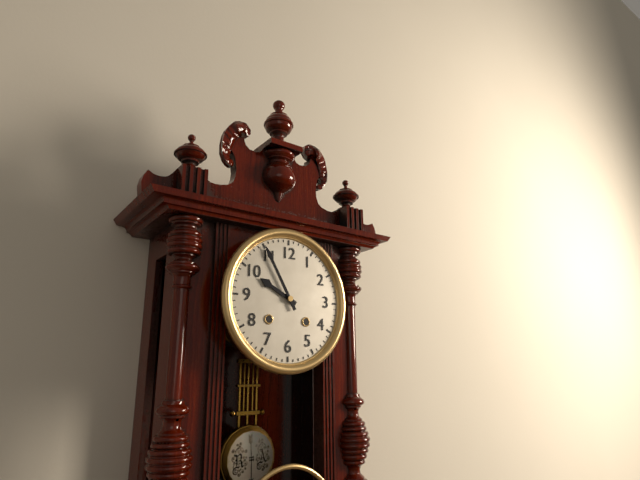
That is 9.55
